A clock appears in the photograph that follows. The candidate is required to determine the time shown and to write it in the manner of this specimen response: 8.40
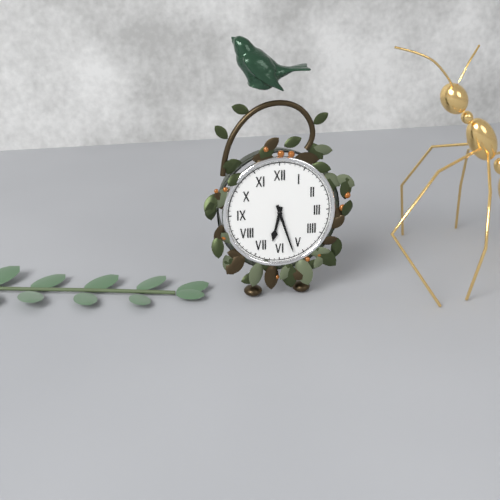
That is 6.27
